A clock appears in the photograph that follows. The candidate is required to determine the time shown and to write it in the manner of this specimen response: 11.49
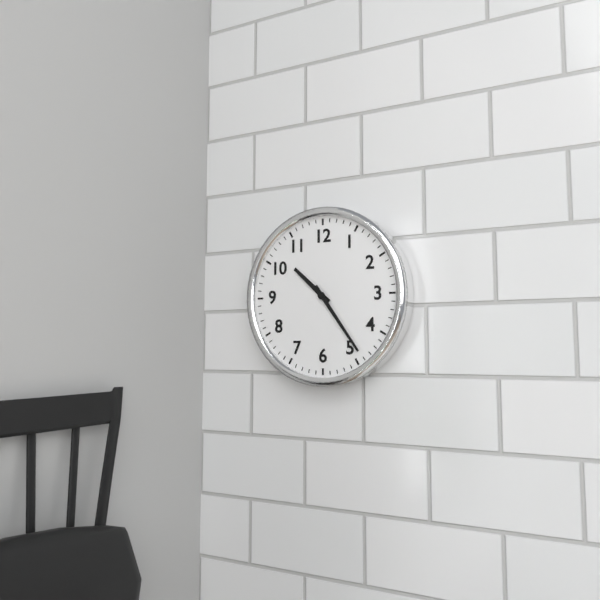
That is 10.24
